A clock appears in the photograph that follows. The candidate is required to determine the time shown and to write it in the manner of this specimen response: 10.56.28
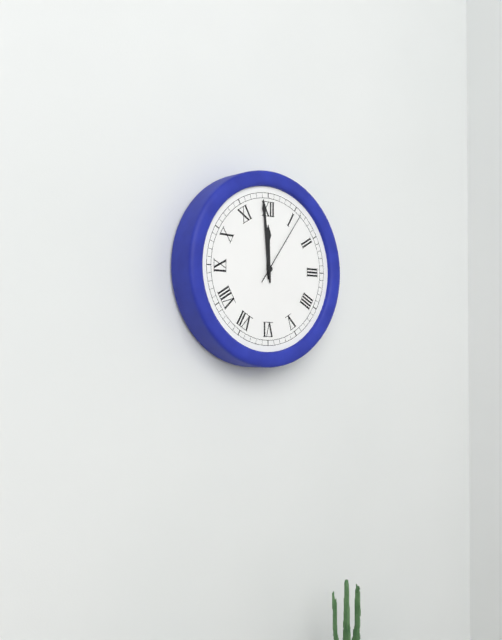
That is 11.59.06
